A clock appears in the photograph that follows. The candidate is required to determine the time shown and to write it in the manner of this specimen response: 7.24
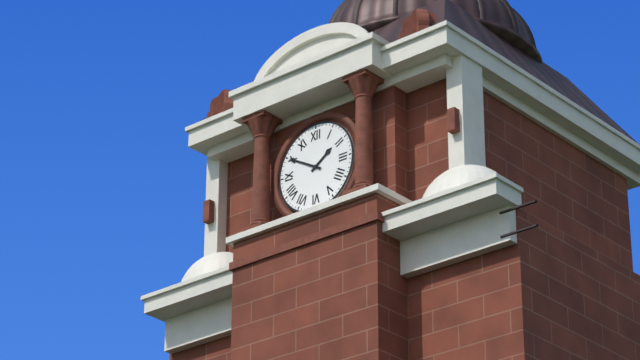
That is 1.50
